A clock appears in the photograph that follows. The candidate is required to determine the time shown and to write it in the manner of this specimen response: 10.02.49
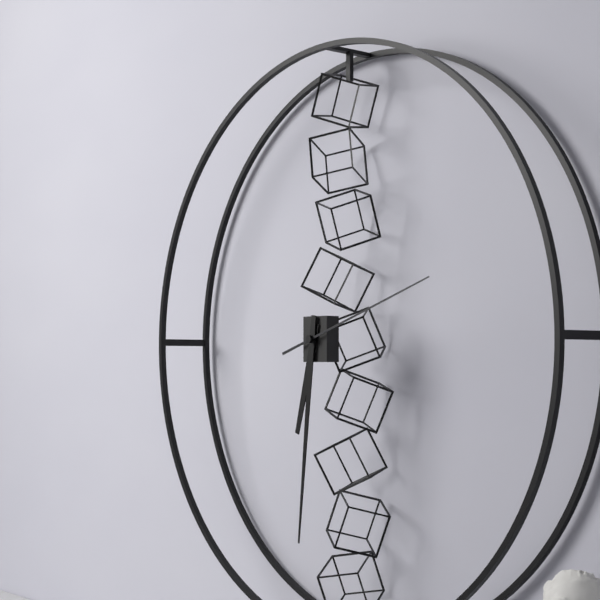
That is 6.31.12
